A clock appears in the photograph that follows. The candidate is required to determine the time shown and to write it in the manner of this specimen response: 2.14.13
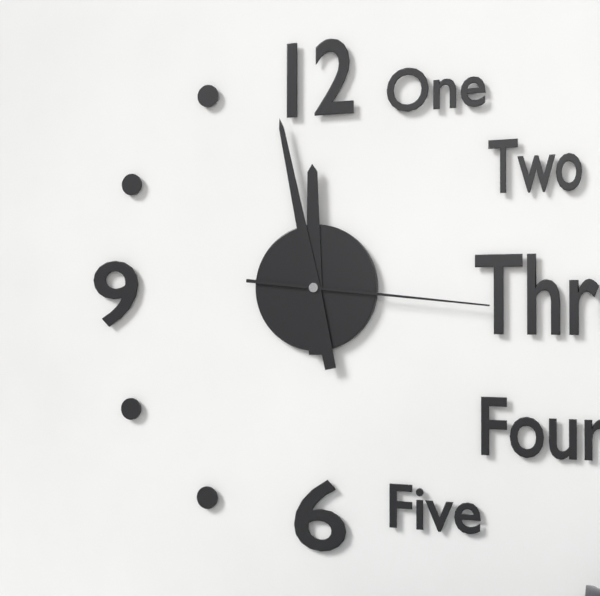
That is 11.58.16
